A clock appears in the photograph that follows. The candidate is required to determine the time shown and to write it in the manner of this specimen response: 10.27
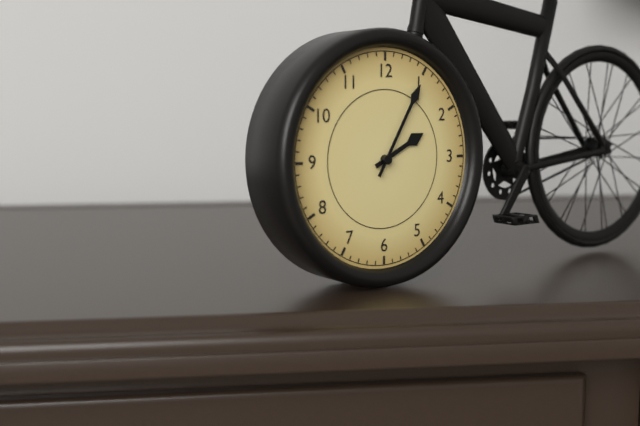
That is 2.05
